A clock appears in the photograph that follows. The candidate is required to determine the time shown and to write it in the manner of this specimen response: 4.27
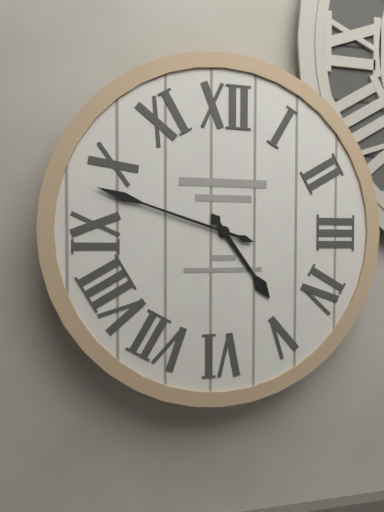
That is 4.48
